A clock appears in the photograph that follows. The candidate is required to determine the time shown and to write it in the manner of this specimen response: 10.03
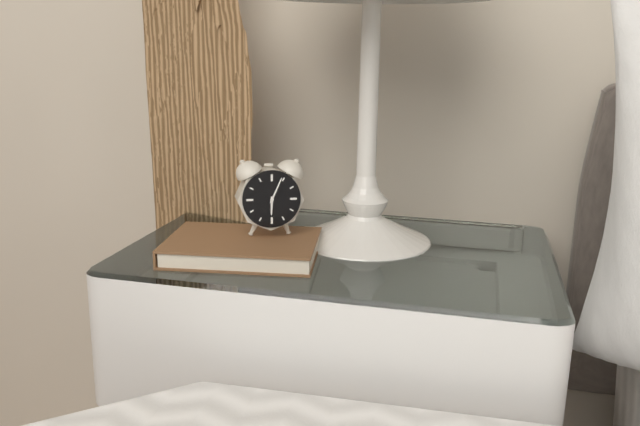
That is 6.04
